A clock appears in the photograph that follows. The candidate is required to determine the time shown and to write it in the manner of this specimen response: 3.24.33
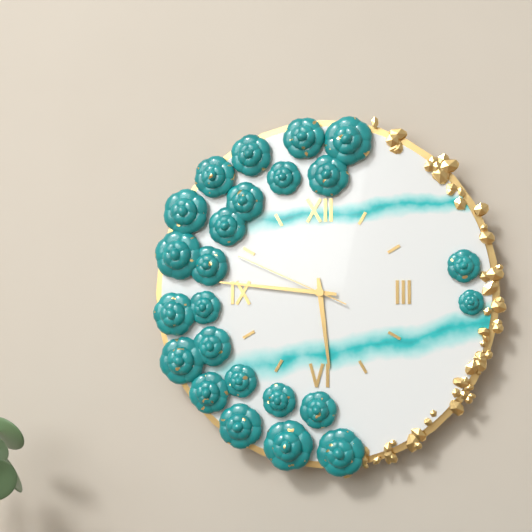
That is 5.46.49
